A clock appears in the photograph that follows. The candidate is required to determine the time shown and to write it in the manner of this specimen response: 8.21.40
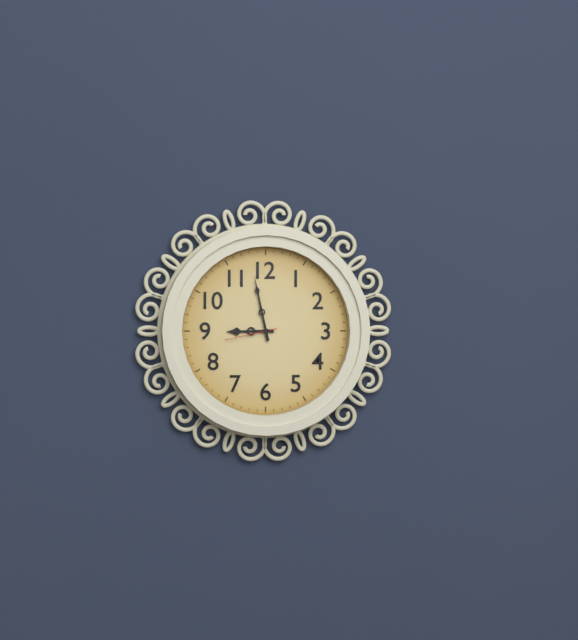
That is 8.58.43
